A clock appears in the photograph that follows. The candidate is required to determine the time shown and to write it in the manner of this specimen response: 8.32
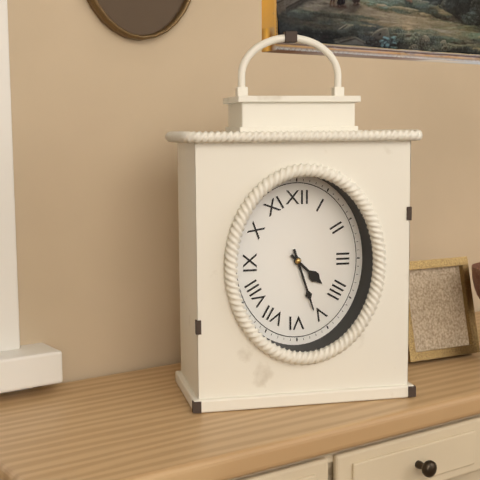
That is 4.27
